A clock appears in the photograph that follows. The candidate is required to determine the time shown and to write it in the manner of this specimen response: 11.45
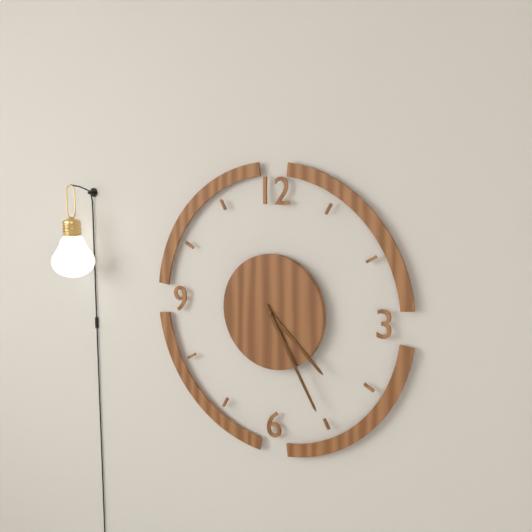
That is 4.25
